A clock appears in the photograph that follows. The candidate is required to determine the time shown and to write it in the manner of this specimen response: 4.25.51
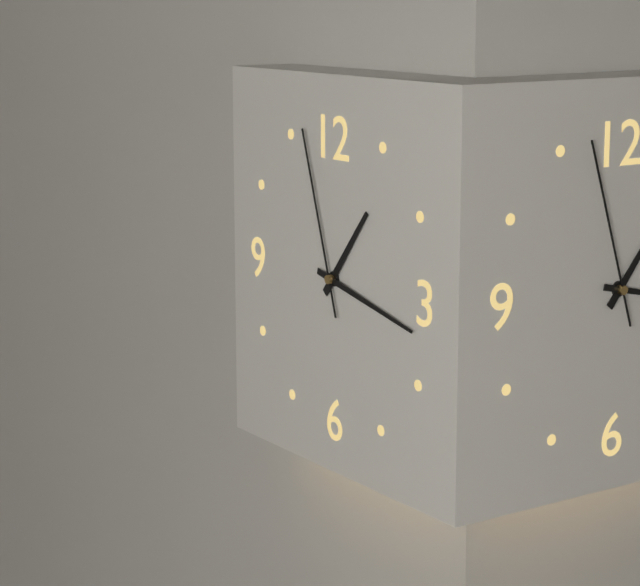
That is 1.17.57
